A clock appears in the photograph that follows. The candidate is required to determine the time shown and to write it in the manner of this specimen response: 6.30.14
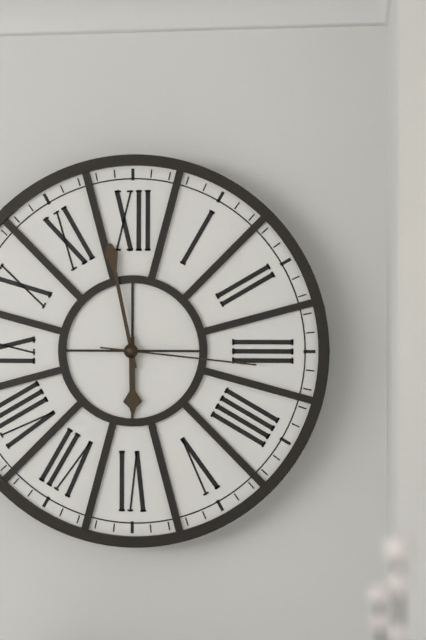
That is 5.58.16
